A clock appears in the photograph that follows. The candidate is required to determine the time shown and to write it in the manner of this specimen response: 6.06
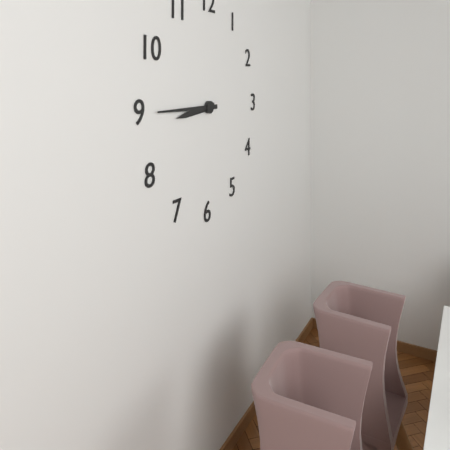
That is 8.45
